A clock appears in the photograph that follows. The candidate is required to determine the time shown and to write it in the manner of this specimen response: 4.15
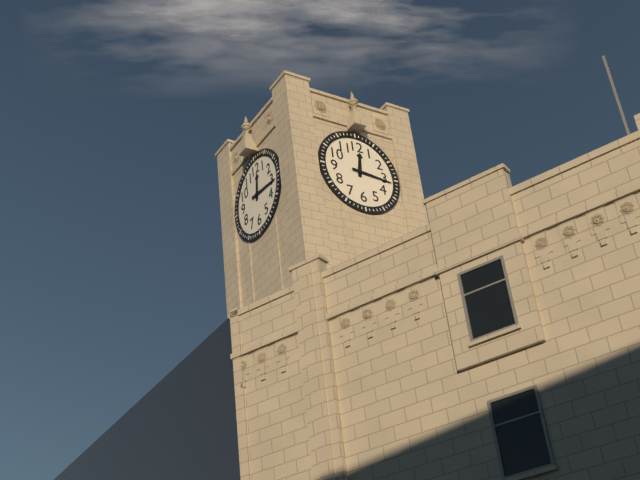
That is 12.16
